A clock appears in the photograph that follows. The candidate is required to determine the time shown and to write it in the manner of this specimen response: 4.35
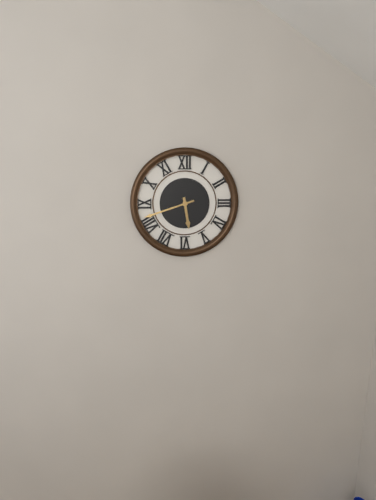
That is 5.42
